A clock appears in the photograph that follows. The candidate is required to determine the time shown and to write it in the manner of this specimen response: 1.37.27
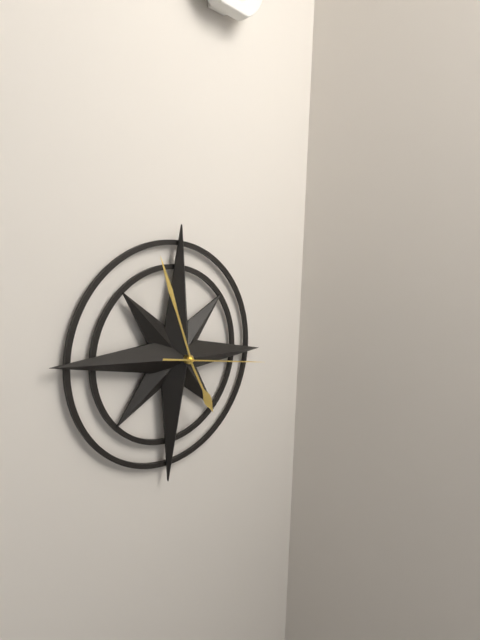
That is 4.56.16
